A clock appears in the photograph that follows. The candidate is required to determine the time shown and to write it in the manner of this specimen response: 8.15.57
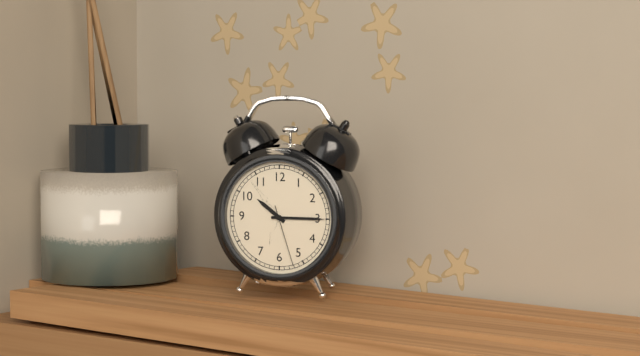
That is 10.15.27
